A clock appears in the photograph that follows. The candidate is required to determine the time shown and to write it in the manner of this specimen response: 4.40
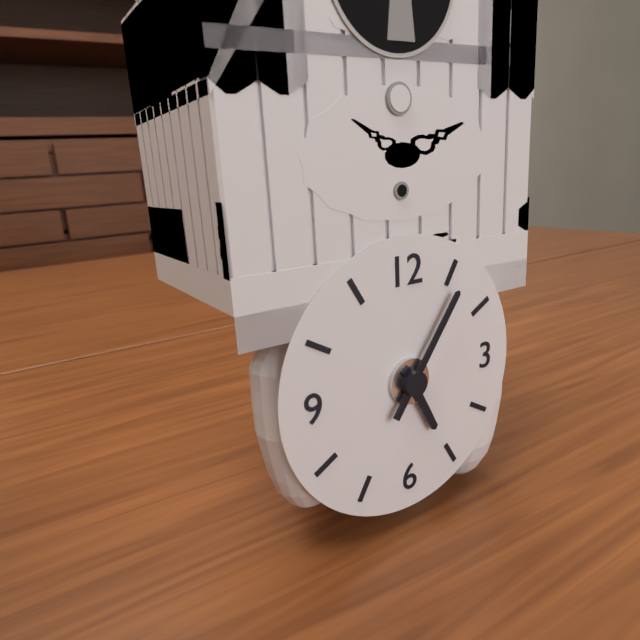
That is 5.06
